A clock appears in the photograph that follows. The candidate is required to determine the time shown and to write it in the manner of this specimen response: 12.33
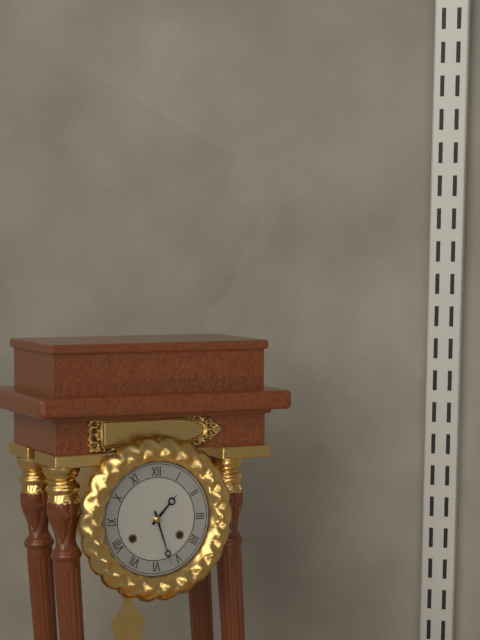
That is 1.27
